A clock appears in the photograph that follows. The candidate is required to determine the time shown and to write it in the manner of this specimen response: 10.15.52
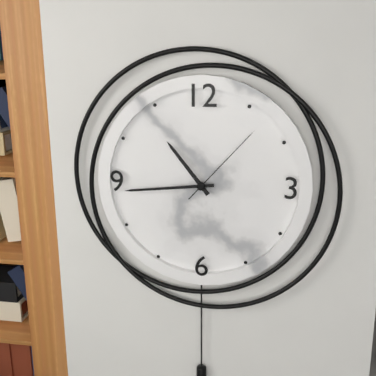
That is 10.44.07
